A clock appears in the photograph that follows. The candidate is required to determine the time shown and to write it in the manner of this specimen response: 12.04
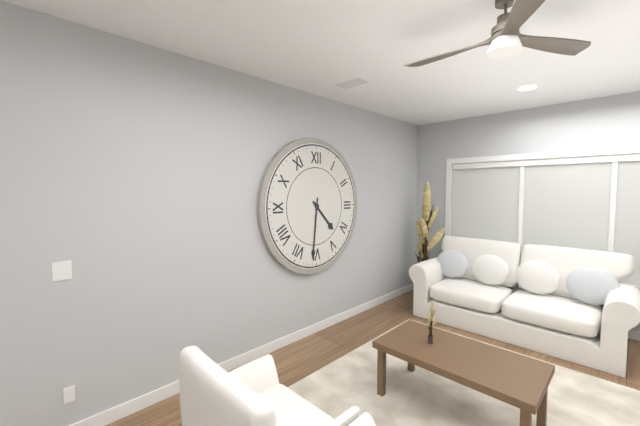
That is 4.31
